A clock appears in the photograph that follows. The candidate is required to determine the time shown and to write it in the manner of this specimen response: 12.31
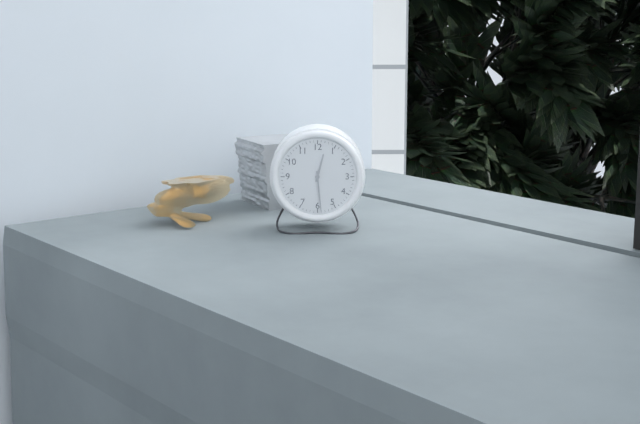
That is 12.29
